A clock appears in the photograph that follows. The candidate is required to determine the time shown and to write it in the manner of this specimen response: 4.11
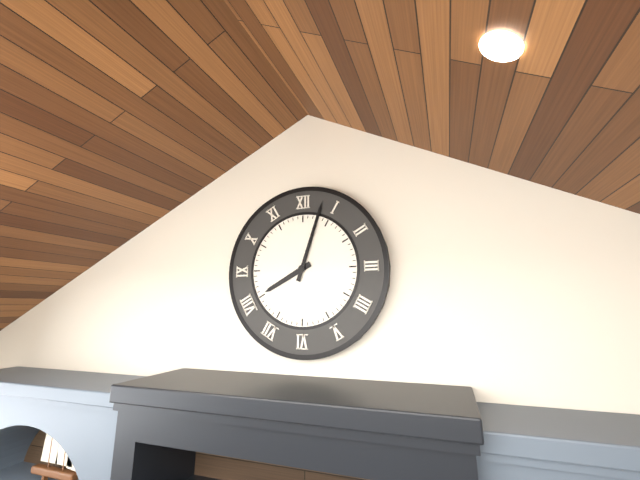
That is 8.03
